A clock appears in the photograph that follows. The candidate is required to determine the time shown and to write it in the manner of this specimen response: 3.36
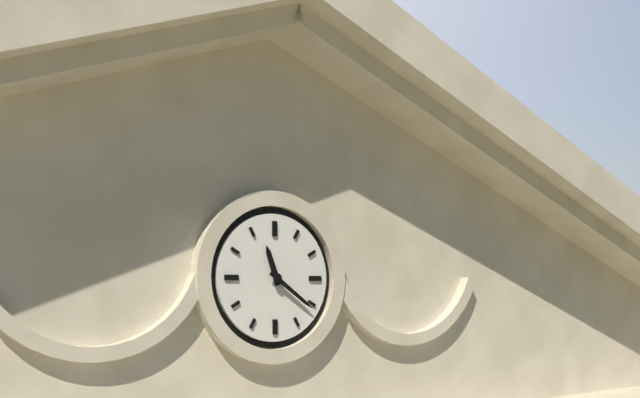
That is 11.21
